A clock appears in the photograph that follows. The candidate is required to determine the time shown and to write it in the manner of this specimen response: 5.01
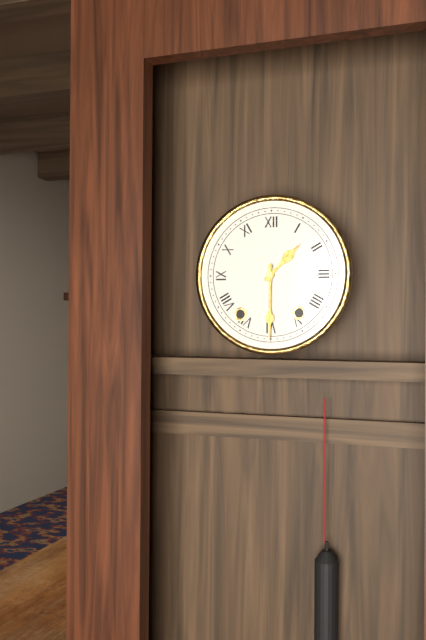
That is 1.30
